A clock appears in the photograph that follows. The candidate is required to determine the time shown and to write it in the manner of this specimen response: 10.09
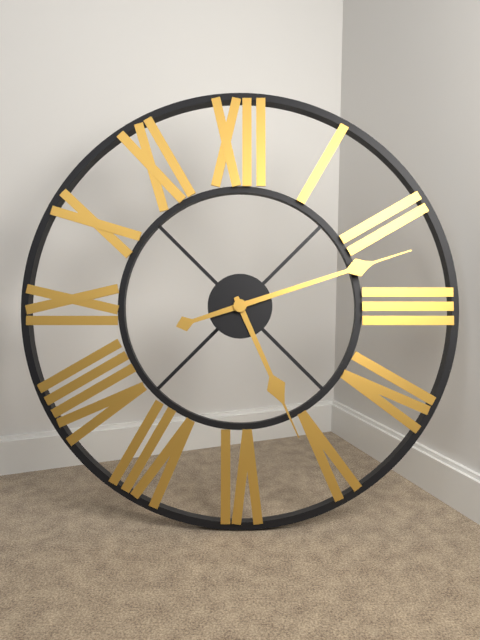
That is 5.12
